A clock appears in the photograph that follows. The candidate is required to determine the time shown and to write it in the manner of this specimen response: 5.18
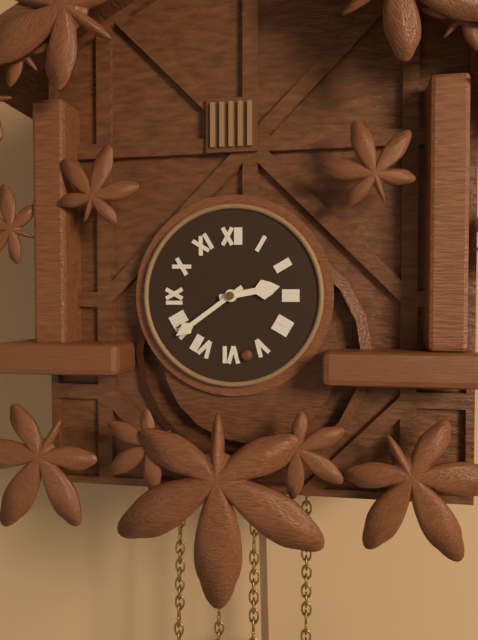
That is 2.39
